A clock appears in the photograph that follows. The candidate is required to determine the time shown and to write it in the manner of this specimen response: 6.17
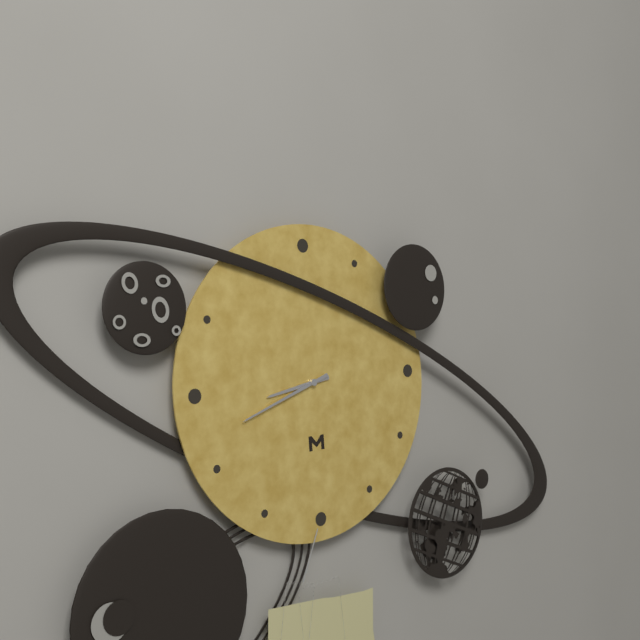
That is 8.42
